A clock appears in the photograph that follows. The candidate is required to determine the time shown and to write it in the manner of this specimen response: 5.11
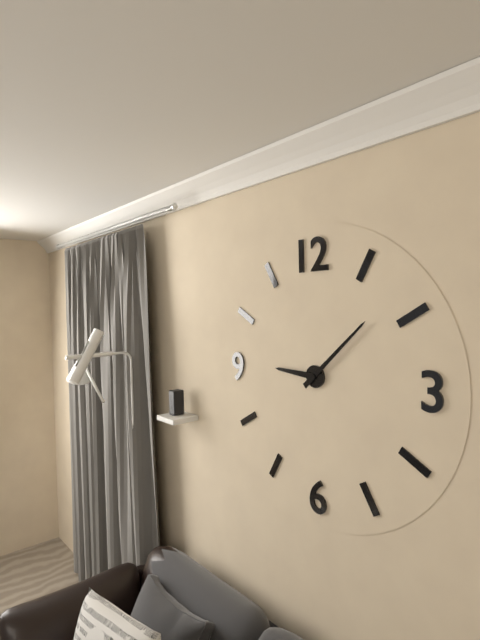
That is 9.08
